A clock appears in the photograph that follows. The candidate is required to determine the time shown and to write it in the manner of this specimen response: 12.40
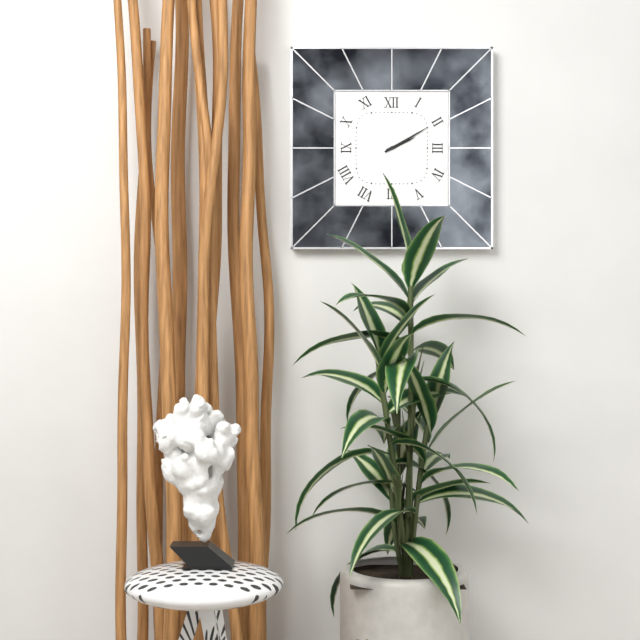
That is 2.10
